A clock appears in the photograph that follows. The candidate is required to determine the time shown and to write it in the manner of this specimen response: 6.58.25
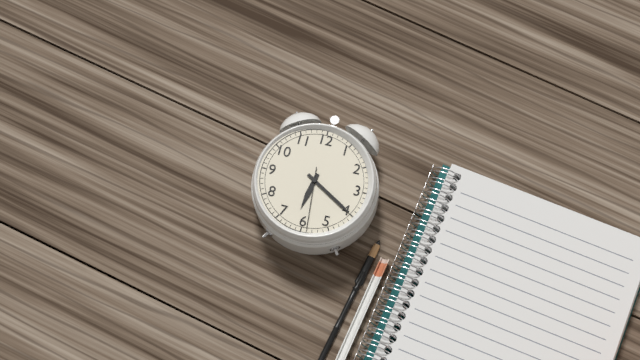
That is 6.20.29
